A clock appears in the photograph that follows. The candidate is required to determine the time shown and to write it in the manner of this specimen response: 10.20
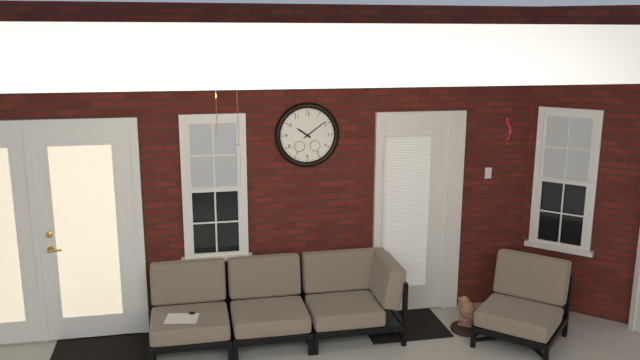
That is 10.09
